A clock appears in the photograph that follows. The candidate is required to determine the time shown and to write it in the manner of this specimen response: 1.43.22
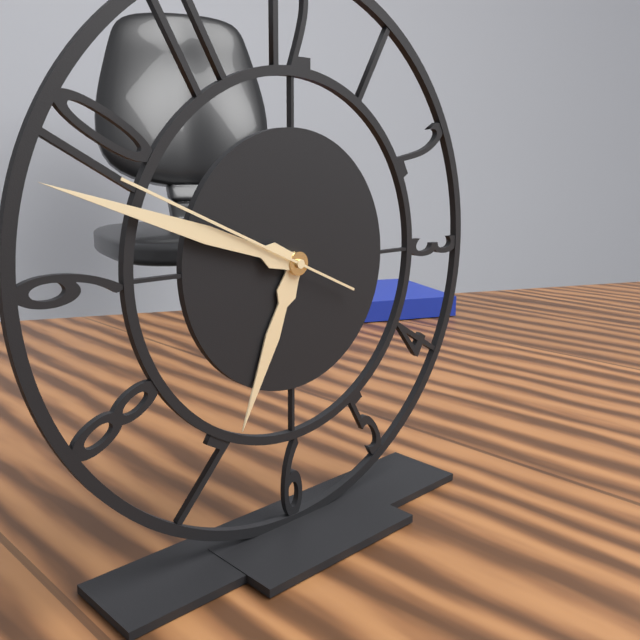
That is 6.48.49
